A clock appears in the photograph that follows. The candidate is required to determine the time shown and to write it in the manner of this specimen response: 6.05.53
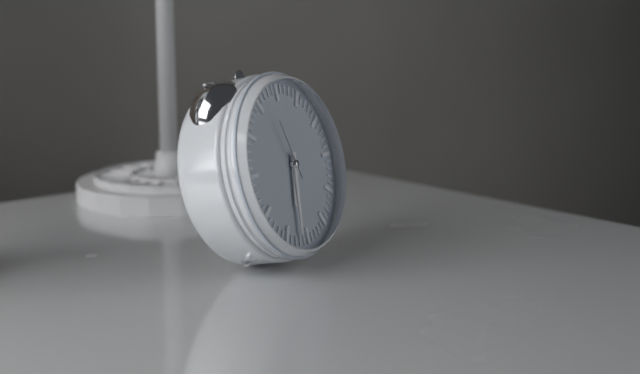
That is 6.32.57
